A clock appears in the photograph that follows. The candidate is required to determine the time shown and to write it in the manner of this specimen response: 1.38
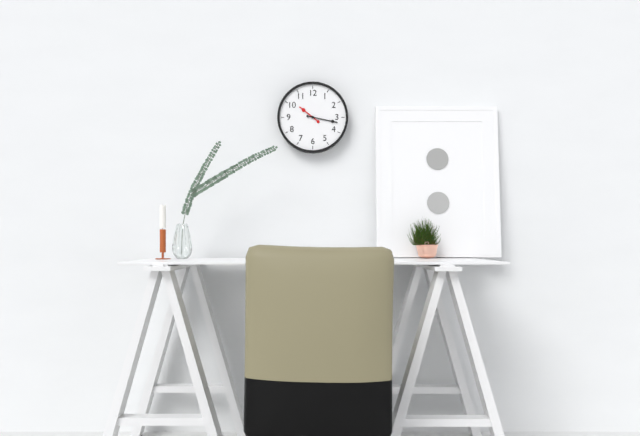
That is 10.17
